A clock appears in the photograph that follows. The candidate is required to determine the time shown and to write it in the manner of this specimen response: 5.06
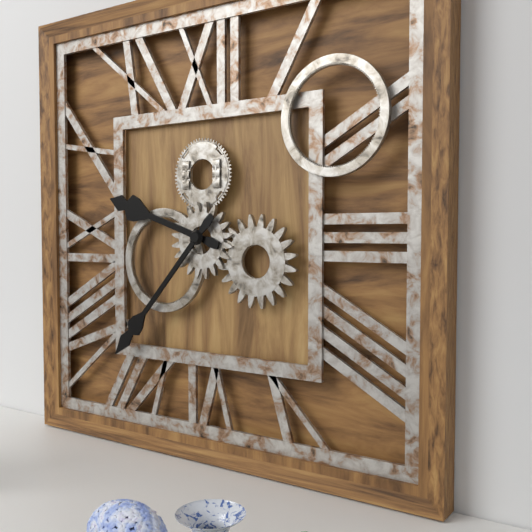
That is 9.37
